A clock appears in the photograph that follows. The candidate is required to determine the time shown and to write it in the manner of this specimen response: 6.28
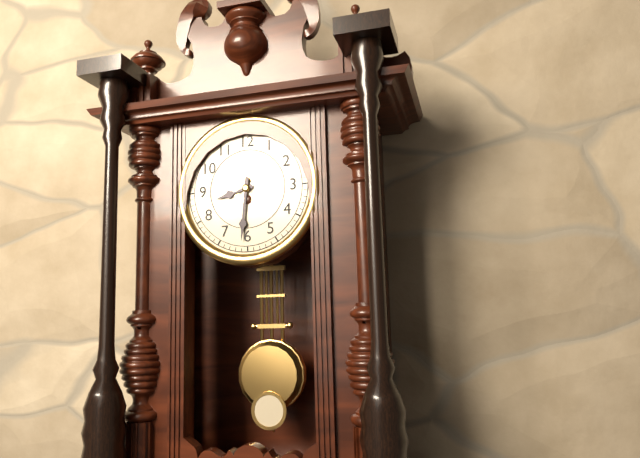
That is 8.31
